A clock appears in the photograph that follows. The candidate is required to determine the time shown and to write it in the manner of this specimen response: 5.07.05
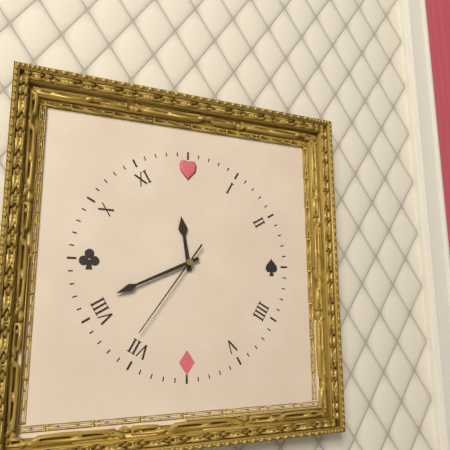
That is 11.41.36
